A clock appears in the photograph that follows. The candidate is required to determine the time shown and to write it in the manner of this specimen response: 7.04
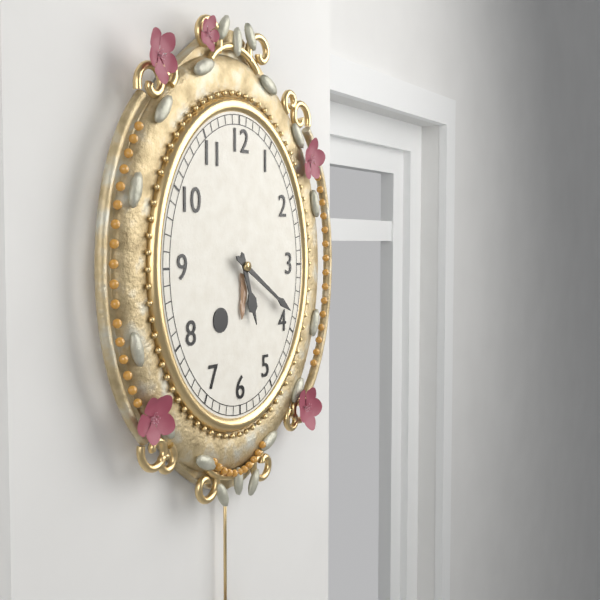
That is 5.20
